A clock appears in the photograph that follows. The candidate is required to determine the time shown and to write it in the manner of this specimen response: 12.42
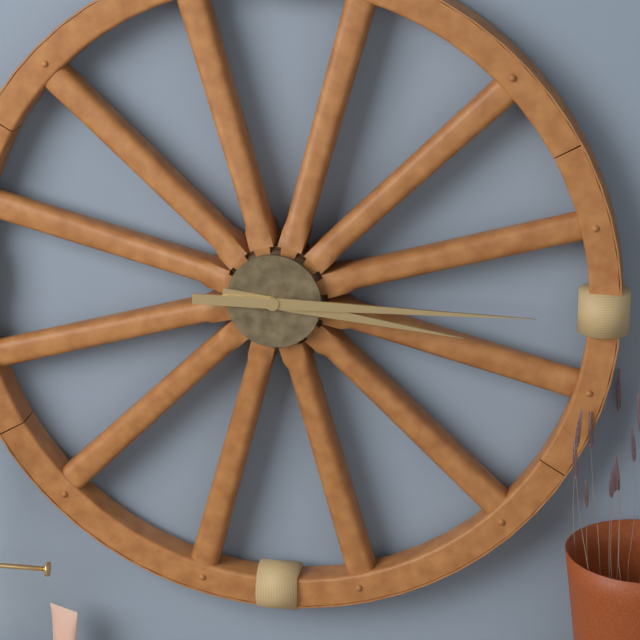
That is 3.15
